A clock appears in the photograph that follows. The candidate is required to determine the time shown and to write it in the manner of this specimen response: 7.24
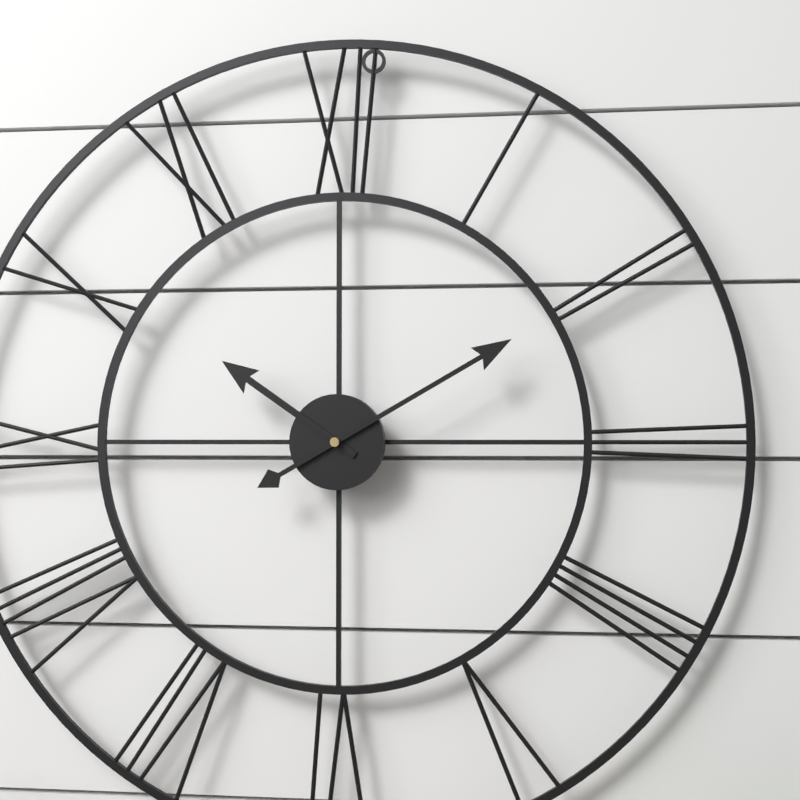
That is 10.10
